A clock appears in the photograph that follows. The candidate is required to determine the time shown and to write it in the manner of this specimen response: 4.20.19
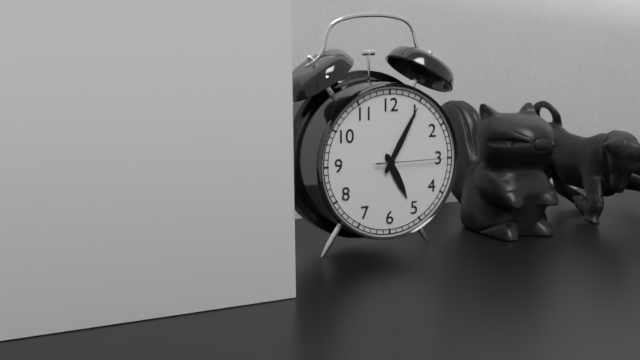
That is 5.05.15
